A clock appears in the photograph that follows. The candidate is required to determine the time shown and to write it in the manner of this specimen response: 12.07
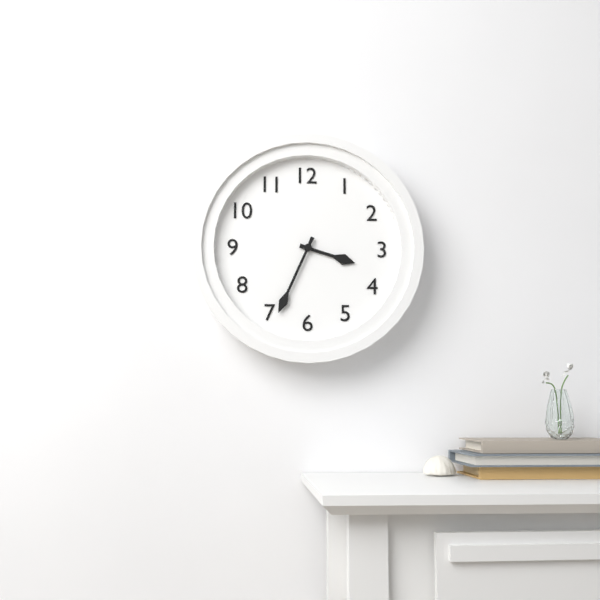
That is 3.34
